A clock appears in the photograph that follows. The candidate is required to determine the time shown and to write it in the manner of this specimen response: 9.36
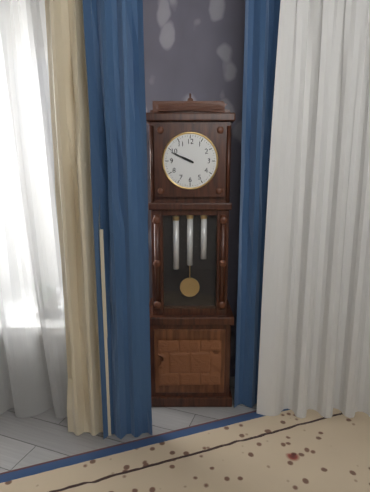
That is 9.49
